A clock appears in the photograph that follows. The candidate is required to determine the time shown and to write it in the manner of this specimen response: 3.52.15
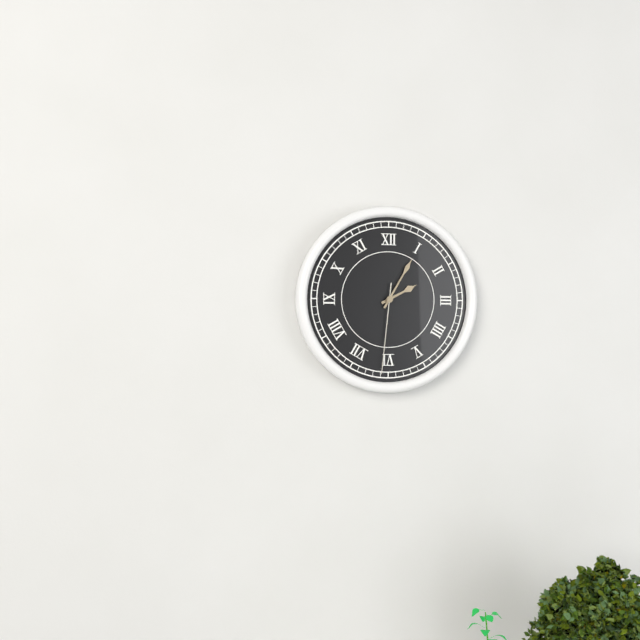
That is 2.05.31
